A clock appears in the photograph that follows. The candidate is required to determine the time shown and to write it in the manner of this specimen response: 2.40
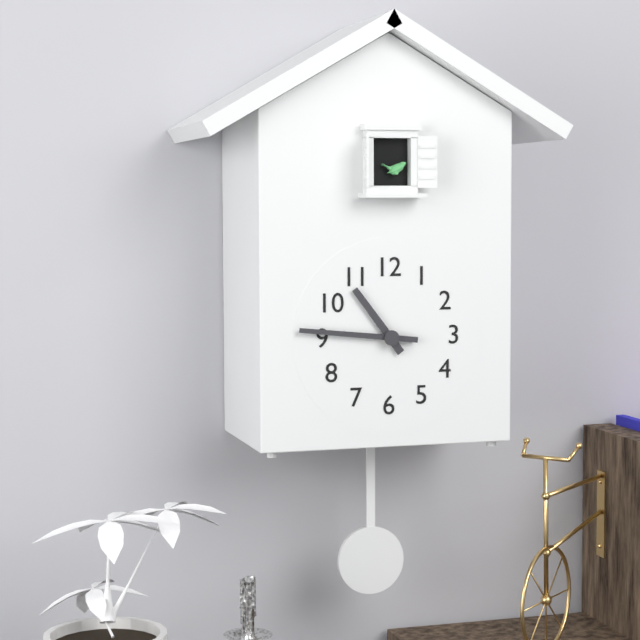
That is 10.46
